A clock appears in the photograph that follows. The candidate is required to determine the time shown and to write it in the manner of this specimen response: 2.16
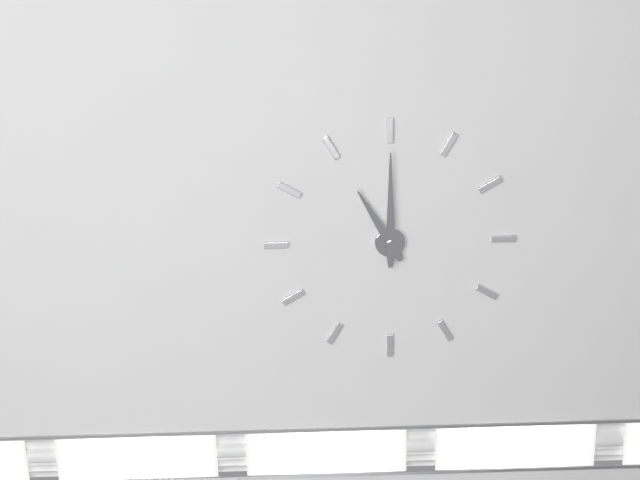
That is 11.00
